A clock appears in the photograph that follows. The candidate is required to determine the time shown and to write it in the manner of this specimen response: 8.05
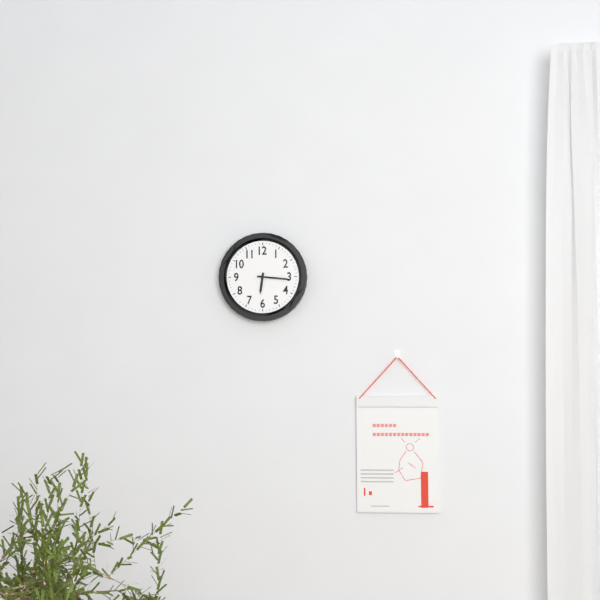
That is 6.16
